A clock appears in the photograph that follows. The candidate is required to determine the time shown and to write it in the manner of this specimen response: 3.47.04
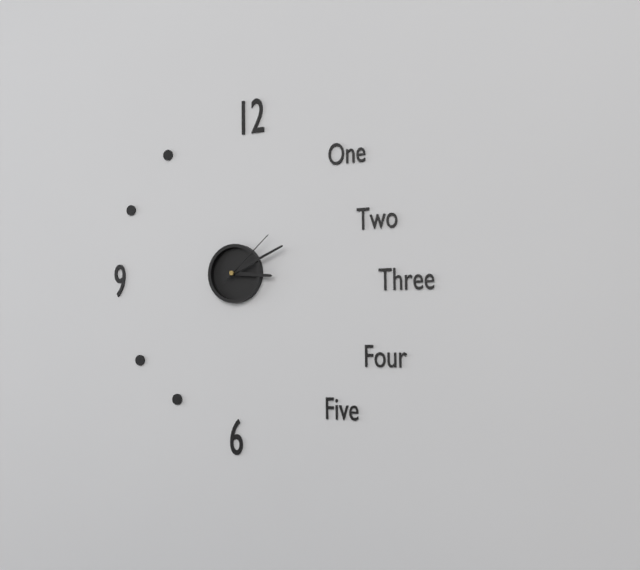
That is 3.11.08
